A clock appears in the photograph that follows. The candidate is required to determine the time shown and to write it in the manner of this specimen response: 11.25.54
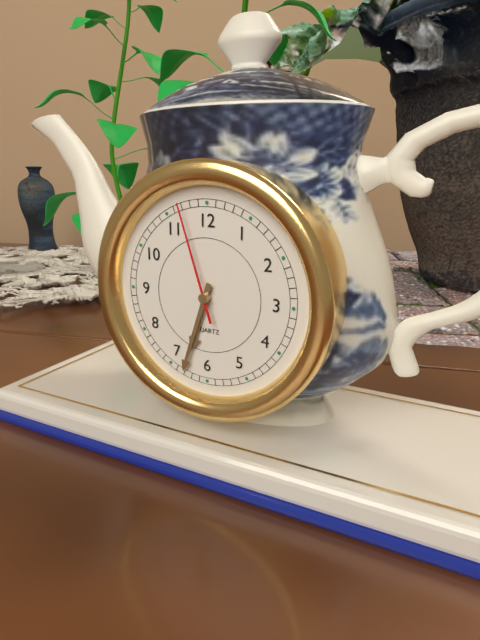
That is 6.33.57
